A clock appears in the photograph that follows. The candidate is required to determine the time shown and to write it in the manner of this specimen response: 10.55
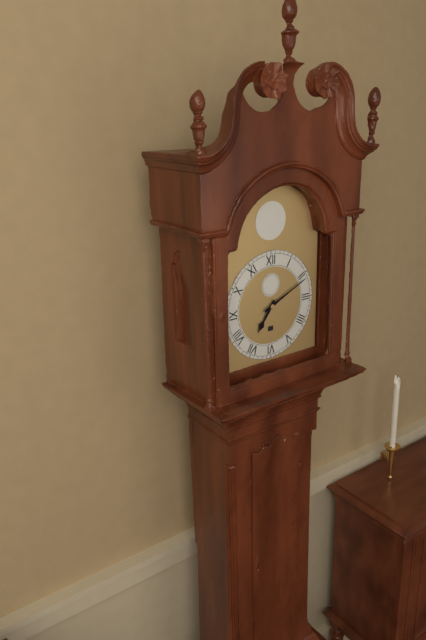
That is 7.11
